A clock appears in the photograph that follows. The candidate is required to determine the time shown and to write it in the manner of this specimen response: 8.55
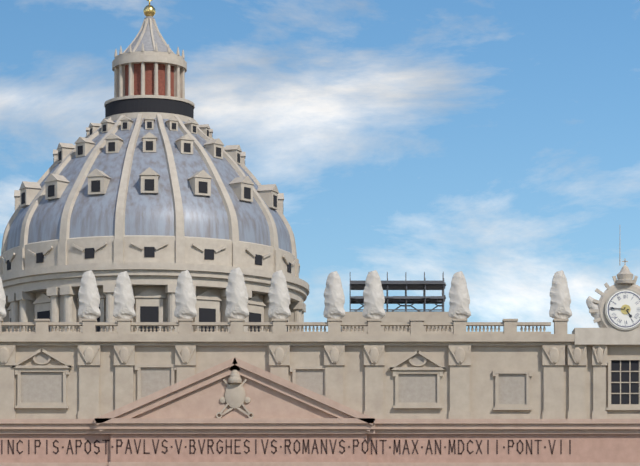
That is 4.46
